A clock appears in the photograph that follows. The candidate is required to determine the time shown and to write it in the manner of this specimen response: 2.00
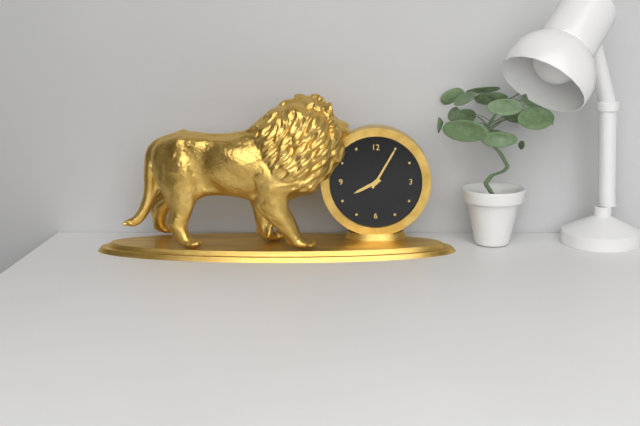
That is 8.05
